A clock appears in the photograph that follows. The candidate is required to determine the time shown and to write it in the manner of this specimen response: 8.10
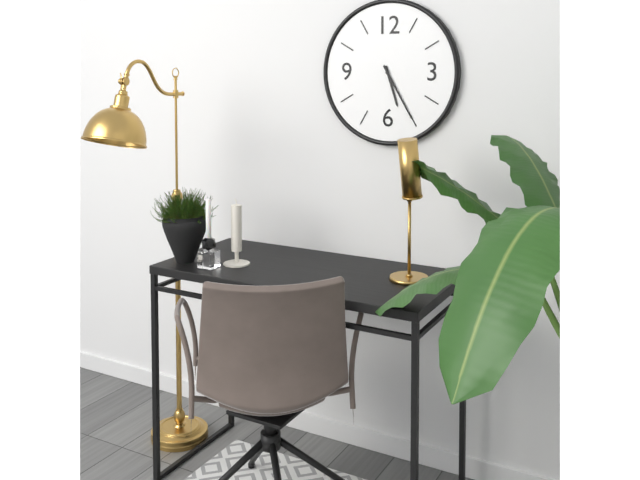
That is 5.25
